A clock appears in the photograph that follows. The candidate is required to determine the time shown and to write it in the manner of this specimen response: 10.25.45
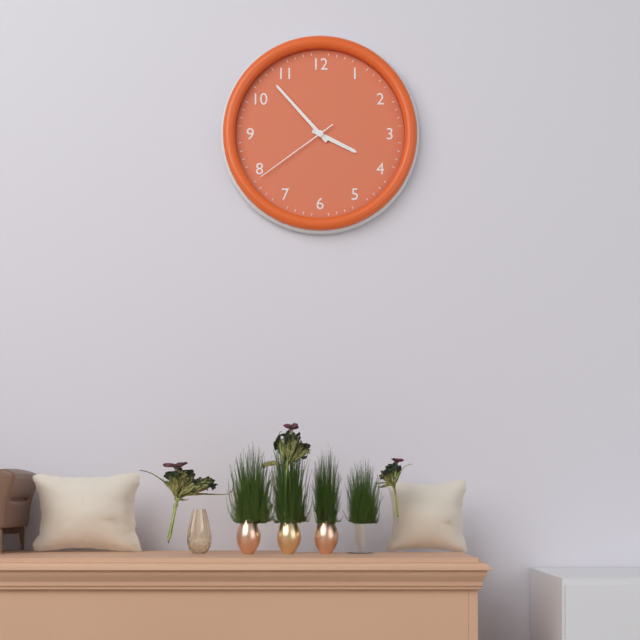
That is 3.53.39
